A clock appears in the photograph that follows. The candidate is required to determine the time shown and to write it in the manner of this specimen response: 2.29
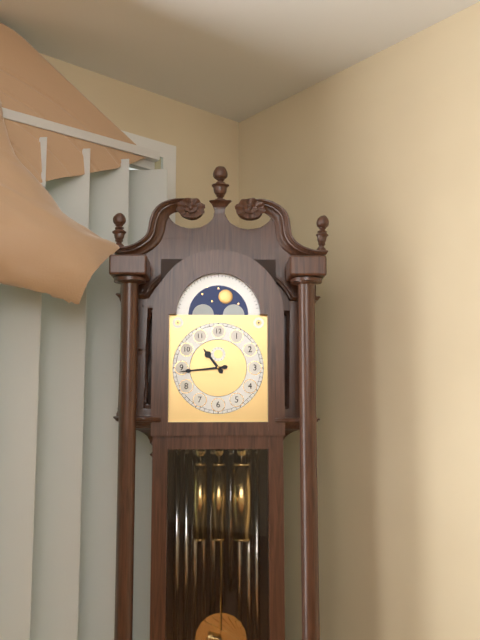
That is 10.44
